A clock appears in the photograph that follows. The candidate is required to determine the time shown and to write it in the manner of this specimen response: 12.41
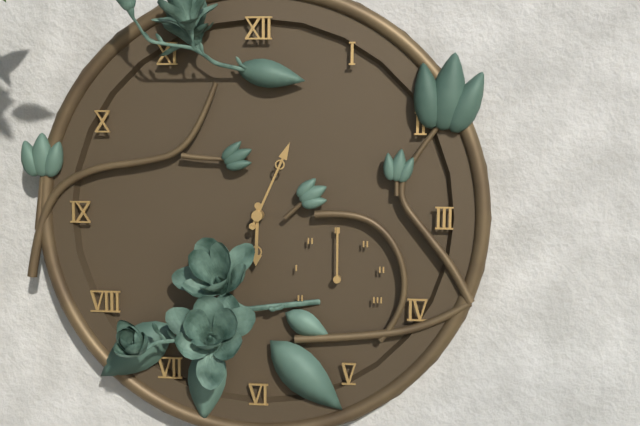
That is 6.04
